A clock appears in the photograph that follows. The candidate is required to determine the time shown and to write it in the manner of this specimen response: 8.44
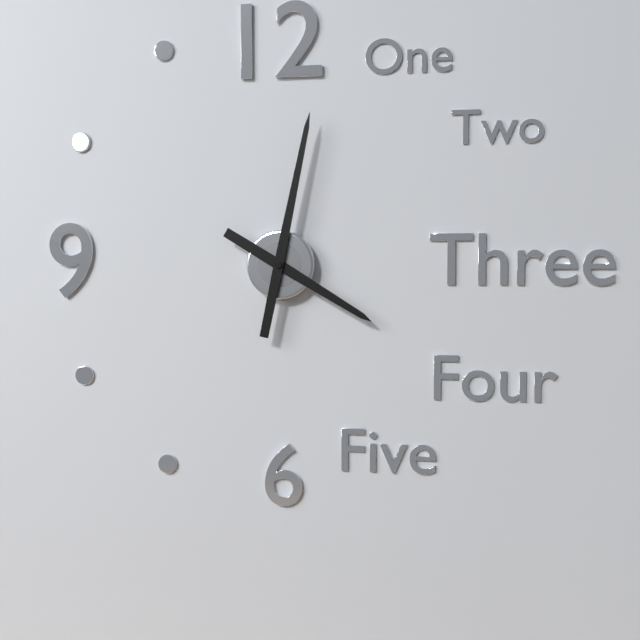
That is 4.02
